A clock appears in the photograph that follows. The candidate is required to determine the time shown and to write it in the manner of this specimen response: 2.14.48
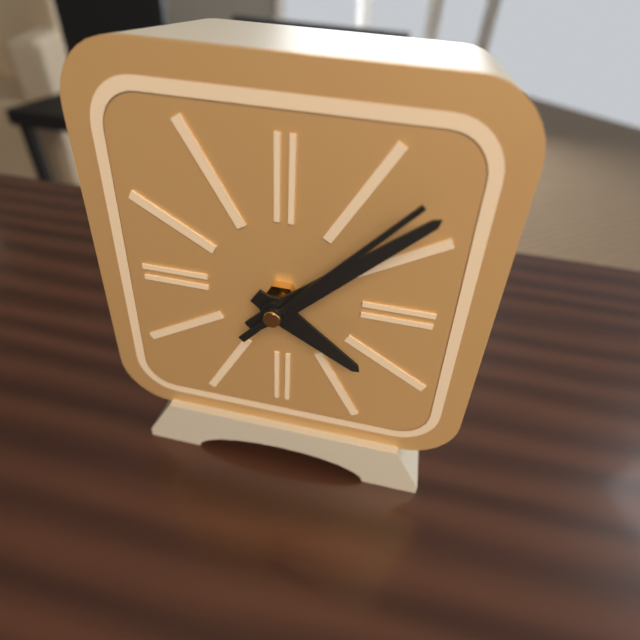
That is 4.08.07
